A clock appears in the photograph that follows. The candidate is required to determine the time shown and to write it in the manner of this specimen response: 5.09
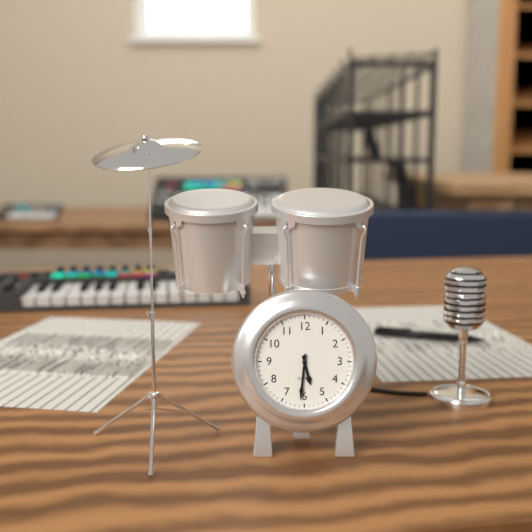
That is 5.31
